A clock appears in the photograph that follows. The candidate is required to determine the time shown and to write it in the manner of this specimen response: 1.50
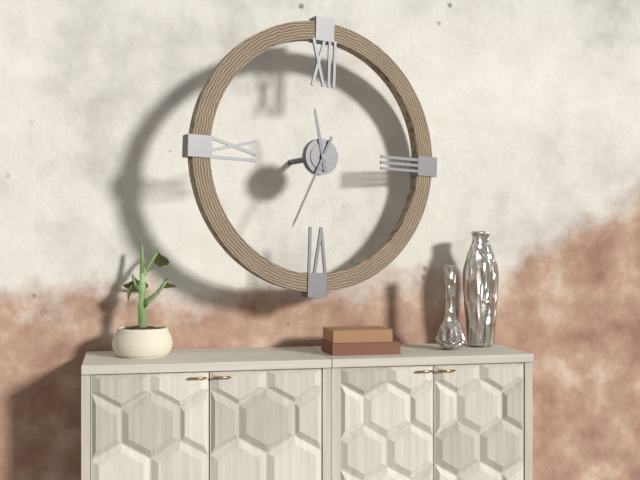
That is 11.34
